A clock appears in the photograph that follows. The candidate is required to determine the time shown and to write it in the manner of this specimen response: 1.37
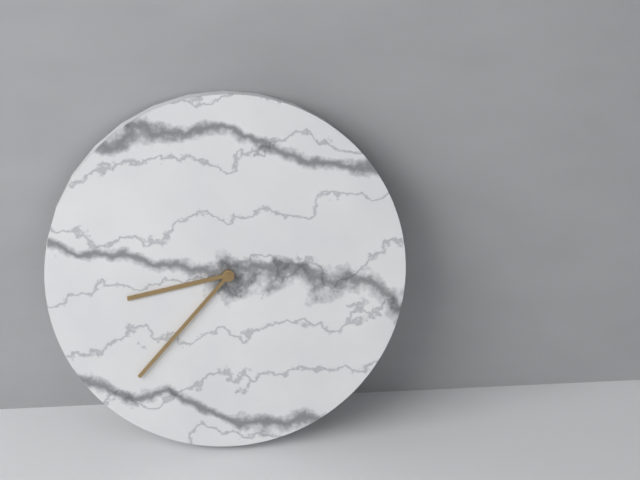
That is 8.37
